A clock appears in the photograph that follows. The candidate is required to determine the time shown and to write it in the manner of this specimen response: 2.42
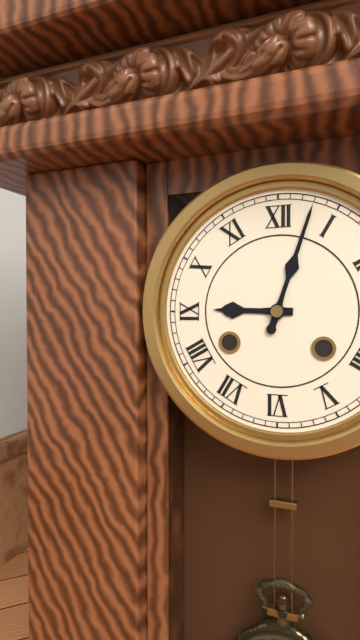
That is 9.03
